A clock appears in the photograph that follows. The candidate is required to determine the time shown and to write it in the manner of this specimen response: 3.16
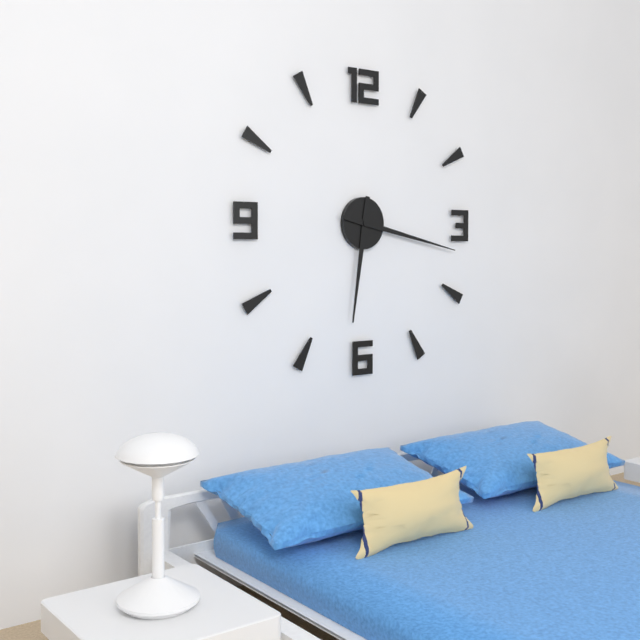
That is 6.17
